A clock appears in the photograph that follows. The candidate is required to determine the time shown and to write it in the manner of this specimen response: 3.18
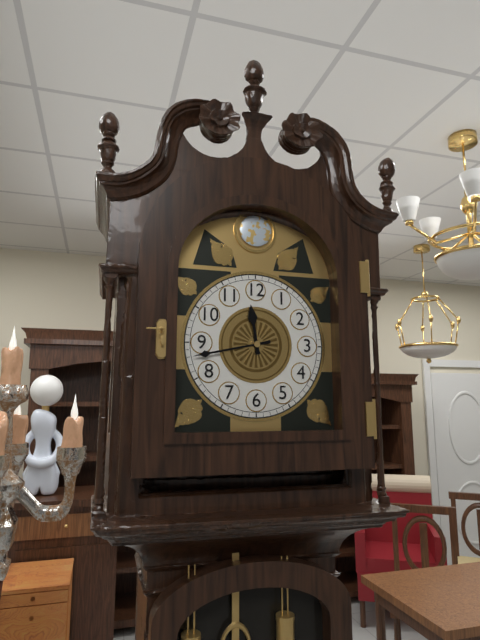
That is 11.43
